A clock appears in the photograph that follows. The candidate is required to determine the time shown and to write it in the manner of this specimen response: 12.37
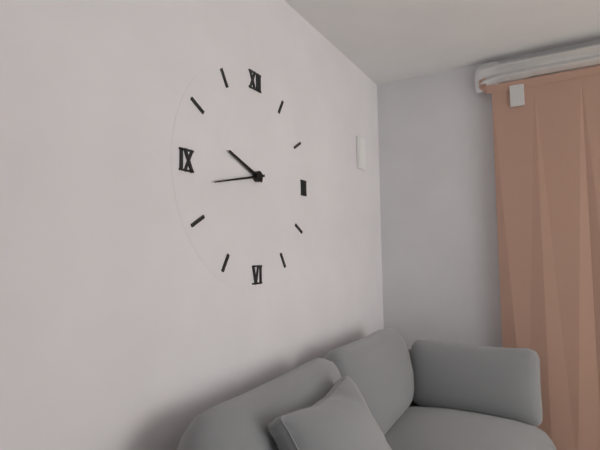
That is 9.43
